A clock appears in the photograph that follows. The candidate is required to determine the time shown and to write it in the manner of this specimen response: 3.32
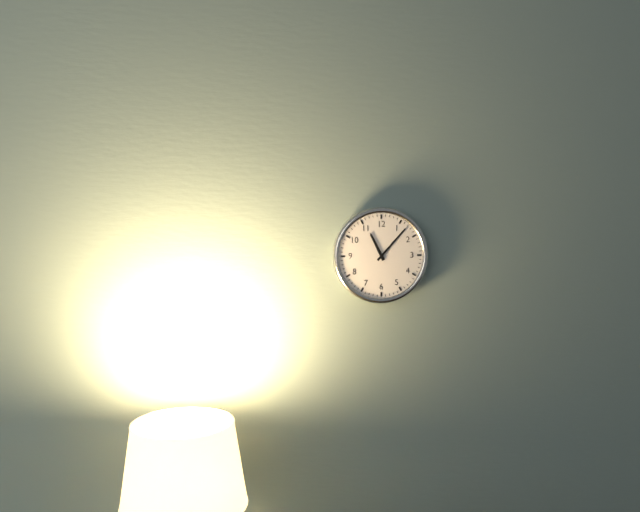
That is 11.07
